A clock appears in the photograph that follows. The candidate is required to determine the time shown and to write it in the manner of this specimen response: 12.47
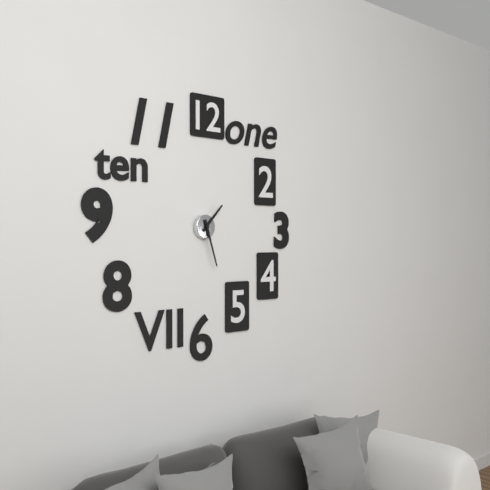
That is 1.27
